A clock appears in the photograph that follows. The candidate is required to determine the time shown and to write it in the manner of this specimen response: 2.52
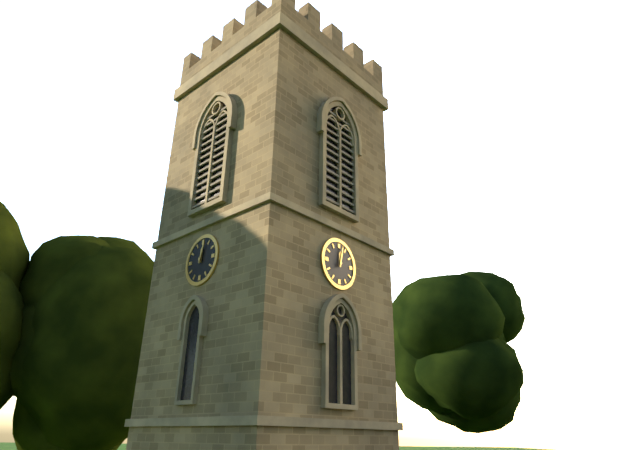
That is 12.02
